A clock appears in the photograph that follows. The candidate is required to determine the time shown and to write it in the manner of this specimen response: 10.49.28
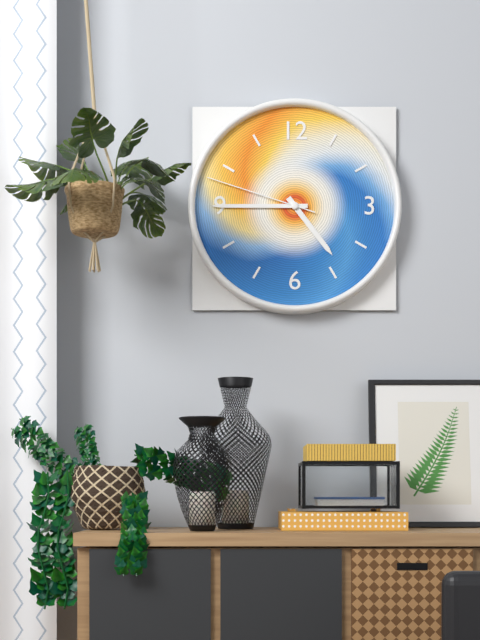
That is 4.45.48
